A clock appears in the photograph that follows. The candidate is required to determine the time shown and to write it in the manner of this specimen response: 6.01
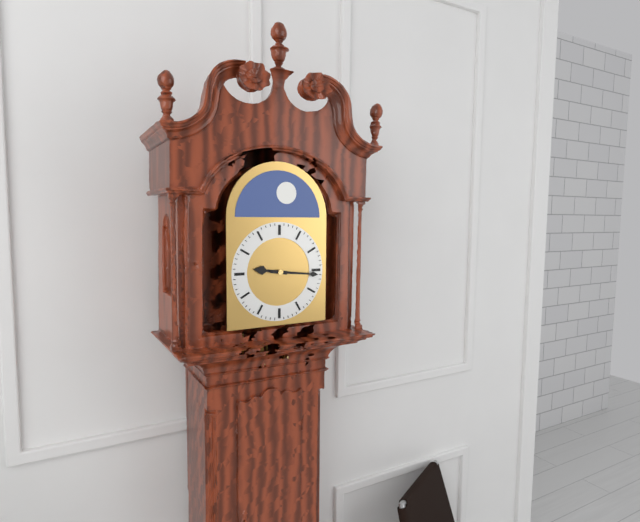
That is 9.16
